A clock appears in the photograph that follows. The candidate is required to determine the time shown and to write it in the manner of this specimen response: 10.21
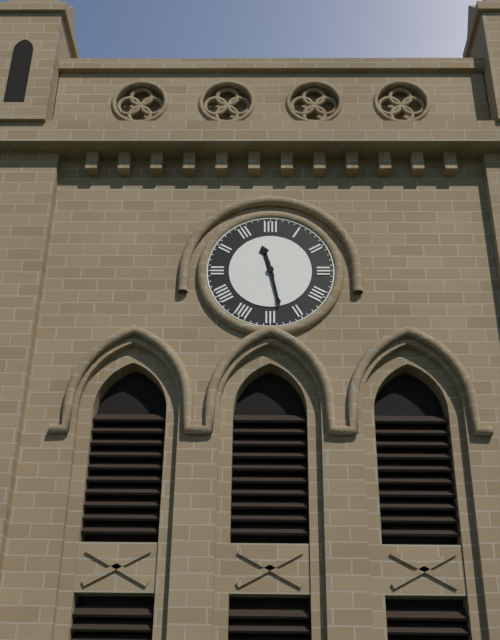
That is 11.28
